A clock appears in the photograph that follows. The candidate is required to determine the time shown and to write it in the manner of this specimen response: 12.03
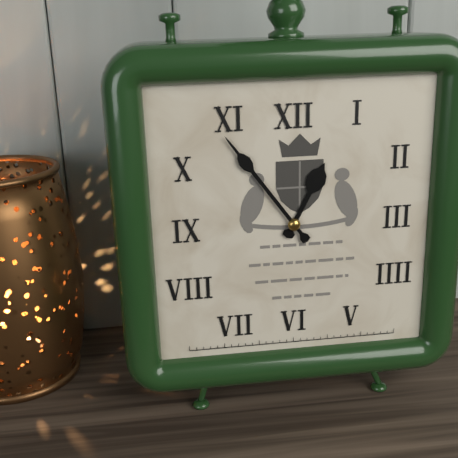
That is 12.54
